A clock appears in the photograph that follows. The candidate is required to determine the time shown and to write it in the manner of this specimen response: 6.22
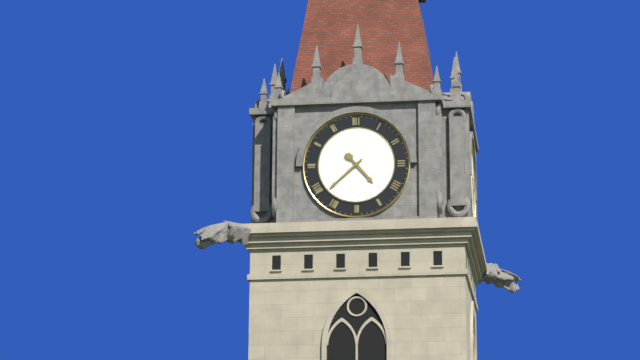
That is 4.38
